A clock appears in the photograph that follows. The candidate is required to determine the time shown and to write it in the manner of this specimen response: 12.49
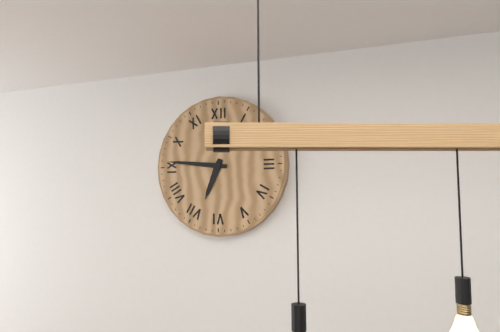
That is 6.46
